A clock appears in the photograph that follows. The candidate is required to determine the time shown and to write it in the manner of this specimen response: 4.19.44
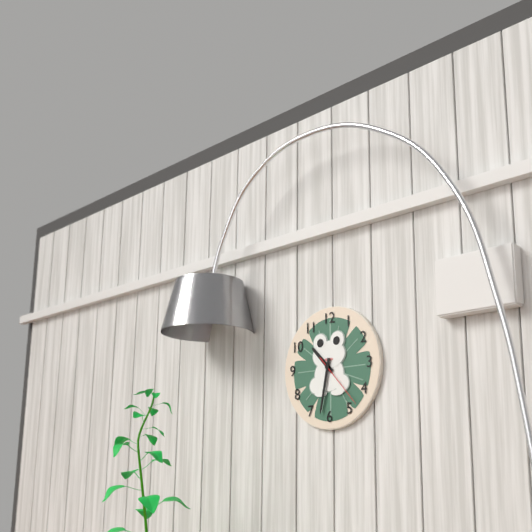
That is 10.32.23
